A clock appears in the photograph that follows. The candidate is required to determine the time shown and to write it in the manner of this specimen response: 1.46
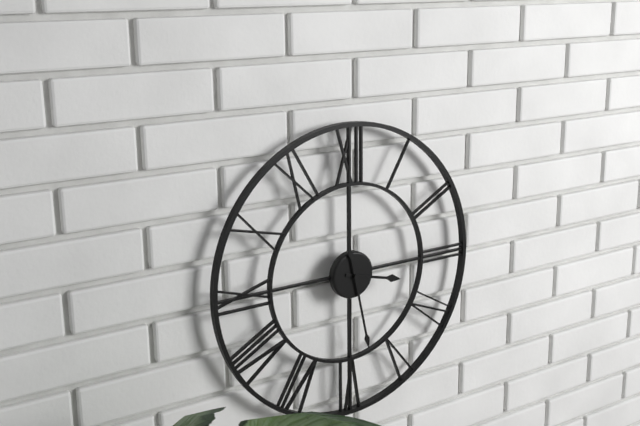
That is 3.28
